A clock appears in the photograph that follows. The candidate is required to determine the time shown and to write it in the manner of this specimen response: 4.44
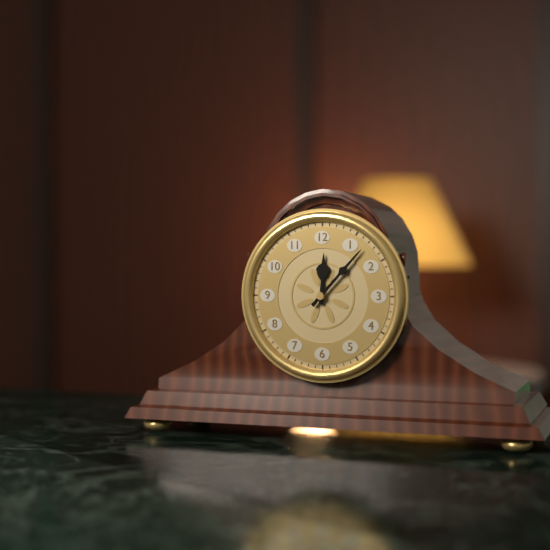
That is 12.07
